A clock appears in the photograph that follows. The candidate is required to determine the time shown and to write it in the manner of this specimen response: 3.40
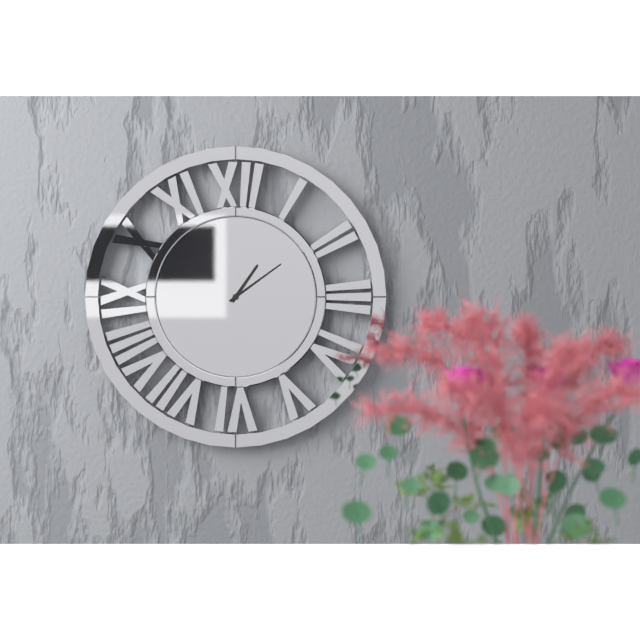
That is 1.09
